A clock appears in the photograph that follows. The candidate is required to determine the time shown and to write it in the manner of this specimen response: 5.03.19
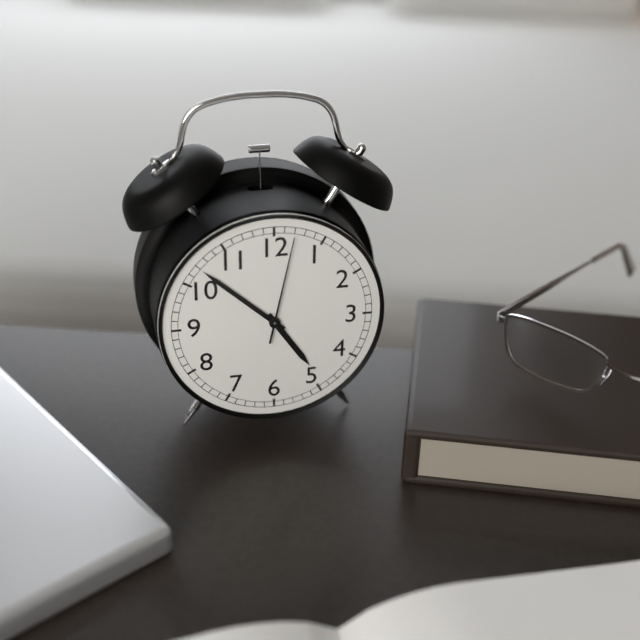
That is 4.52.02
